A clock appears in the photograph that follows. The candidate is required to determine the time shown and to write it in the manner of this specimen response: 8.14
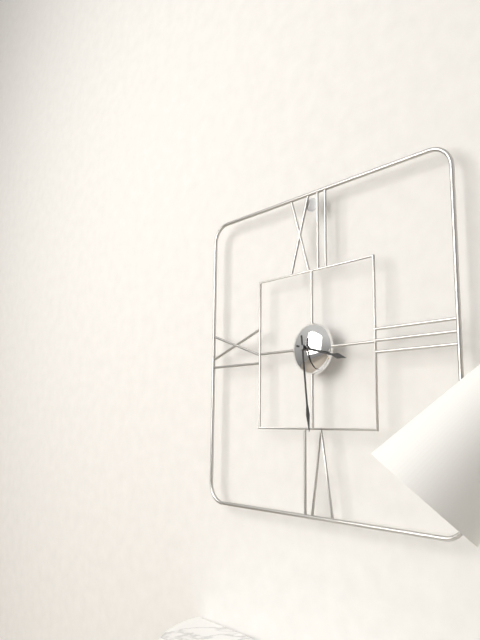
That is 3.29
